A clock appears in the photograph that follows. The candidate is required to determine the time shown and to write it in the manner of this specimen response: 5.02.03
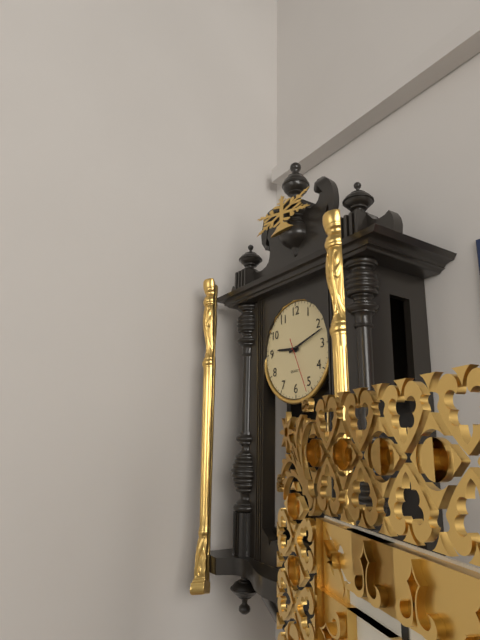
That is 9.12.26
